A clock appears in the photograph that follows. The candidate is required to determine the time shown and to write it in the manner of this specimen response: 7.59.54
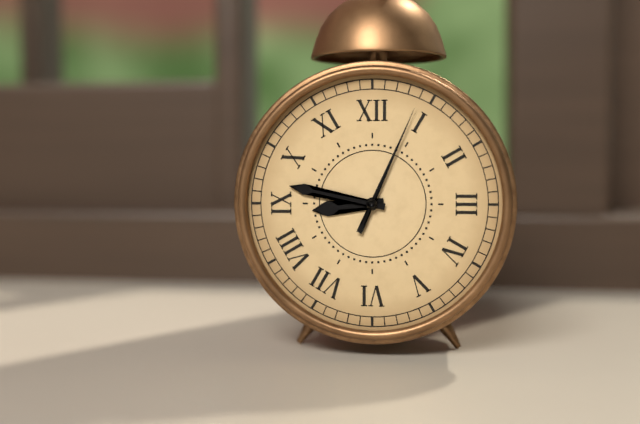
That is 8.47.04
